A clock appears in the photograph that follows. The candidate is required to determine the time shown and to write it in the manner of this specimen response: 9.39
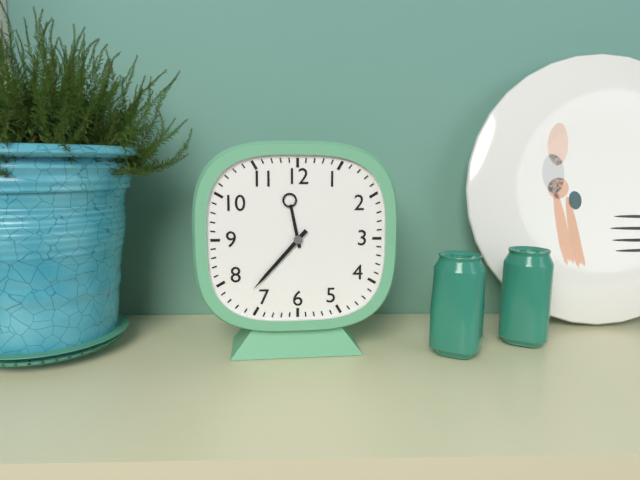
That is 11.37
